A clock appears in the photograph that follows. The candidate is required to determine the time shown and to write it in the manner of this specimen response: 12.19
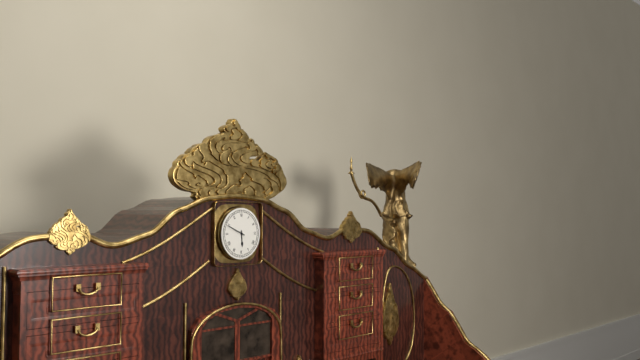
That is 5.49
